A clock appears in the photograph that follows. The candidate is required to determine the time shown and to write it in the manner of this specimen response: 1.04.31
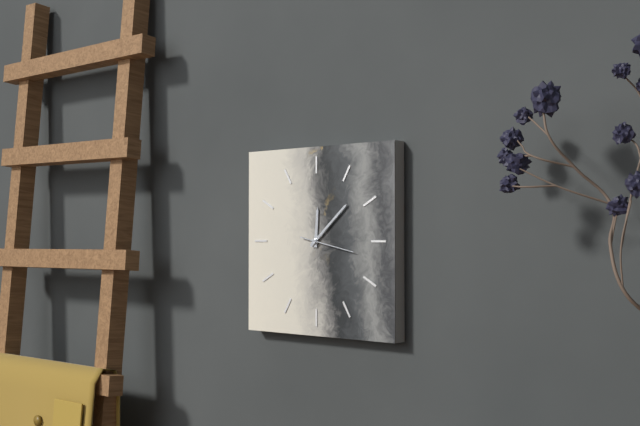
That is 12.08.17
